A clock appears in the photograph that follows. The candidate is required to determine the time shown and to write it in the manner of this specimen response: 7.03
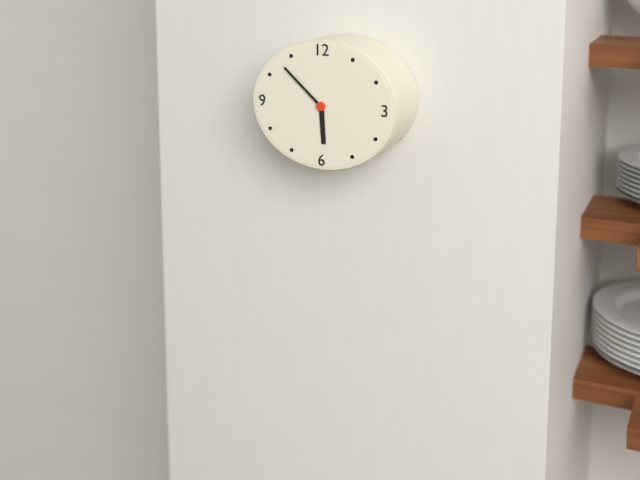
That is 5.52
